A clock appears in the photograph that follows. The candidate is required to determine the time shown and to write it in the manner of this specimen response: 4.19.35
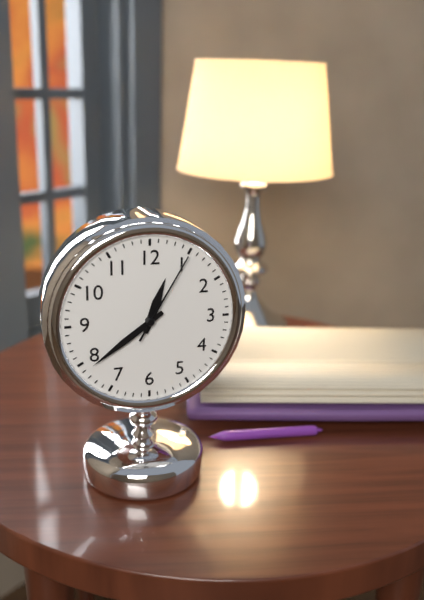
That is 12.39.05
